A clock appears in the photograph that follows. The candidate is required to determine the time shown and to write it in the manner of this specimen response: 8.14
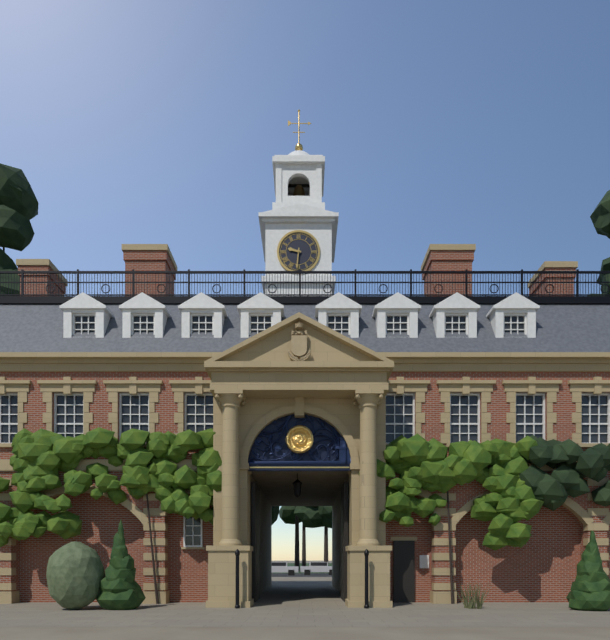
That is 9.31
